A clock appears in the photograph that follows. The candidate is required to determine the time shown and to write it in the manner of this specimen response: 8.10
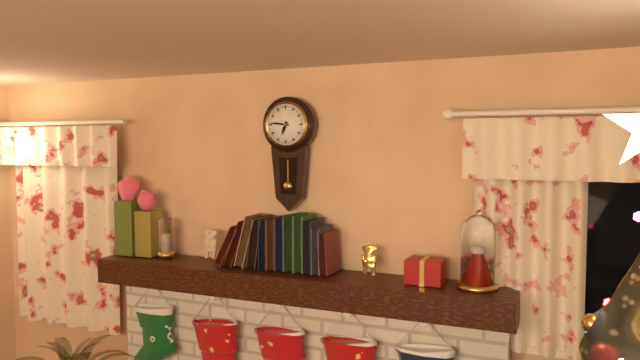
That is 6.46
